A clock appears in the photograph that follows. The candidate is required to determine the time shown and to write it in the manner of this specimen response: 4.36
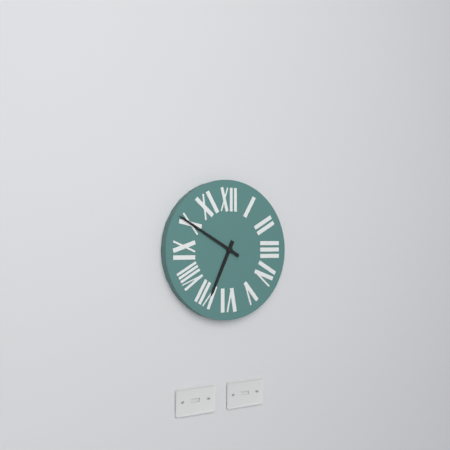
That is 6.50
